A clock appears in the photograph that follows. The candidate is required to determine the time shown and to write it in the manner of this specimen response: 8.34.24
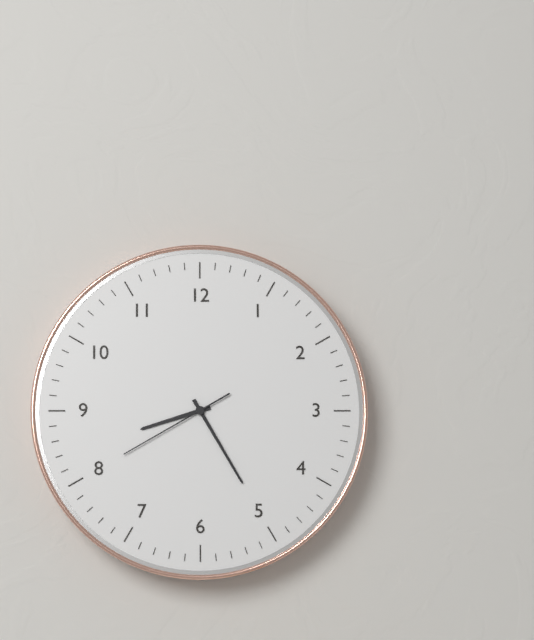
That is 8.25.40
